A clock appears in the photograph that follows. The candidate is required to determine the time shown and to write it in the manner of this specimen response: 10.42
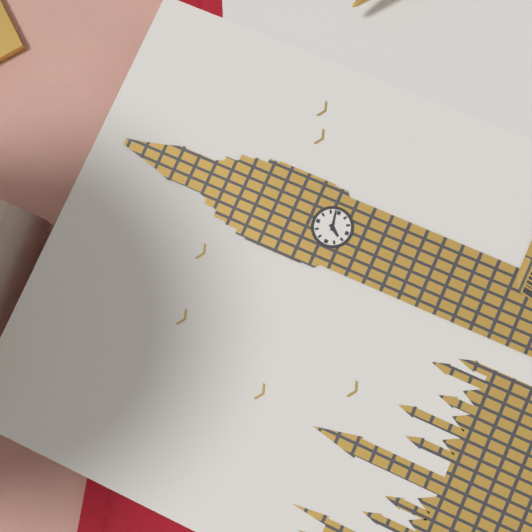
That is 7.13
